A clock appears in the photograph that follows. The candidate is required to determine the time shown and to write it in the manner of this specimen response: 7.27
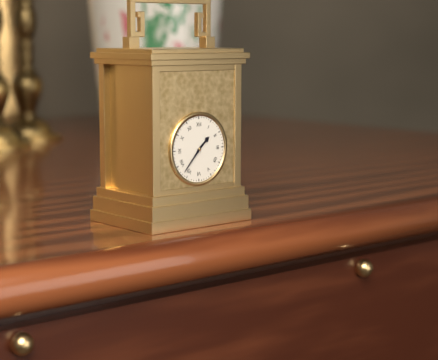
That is 1.37
